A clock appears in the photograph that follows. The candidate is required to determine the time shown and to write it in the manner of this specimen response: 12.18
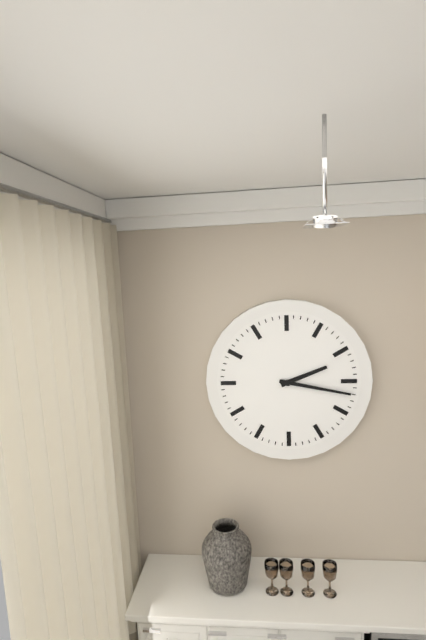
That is 2.17
